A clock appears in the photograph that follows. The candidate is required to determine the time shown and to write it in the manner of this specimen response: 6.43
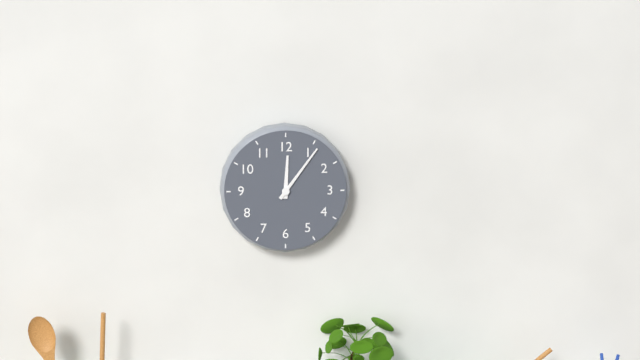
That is 12.06
